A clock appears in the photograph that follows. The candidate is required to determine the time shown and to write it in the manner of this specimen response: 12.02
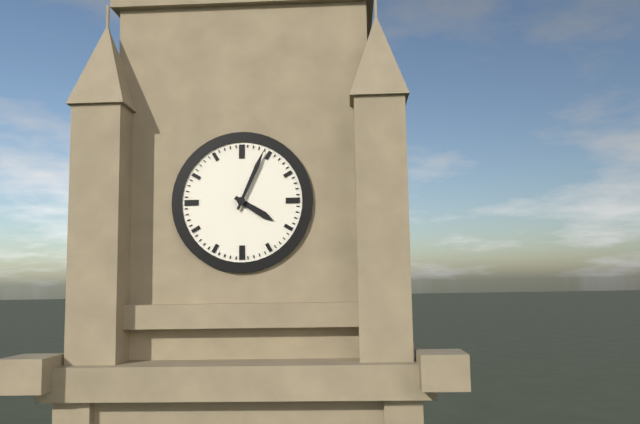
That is 4.04
